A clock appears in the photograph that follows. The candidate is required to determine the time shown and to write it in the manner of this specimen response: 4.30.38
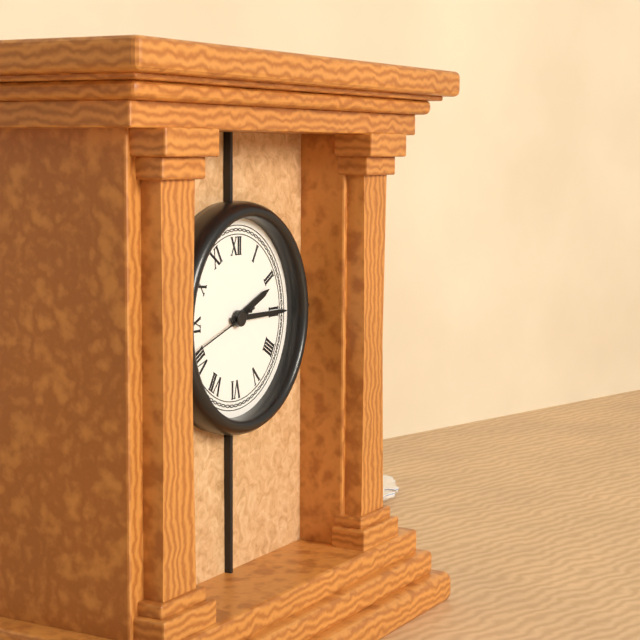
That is 2.15.42
